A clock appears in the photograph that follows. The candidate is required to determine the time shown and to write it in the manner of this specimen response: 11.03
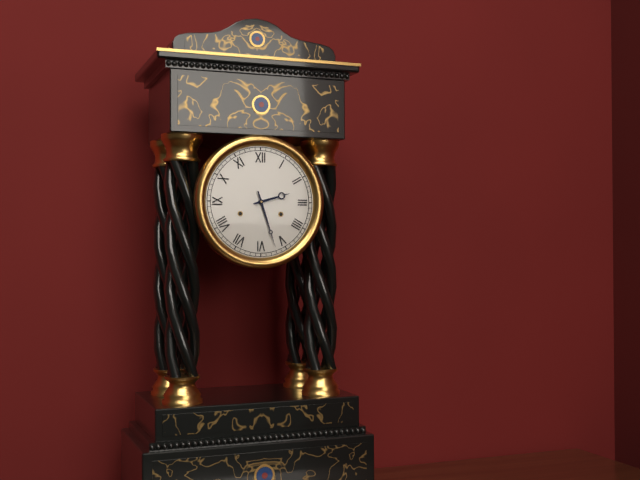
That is 2.27
